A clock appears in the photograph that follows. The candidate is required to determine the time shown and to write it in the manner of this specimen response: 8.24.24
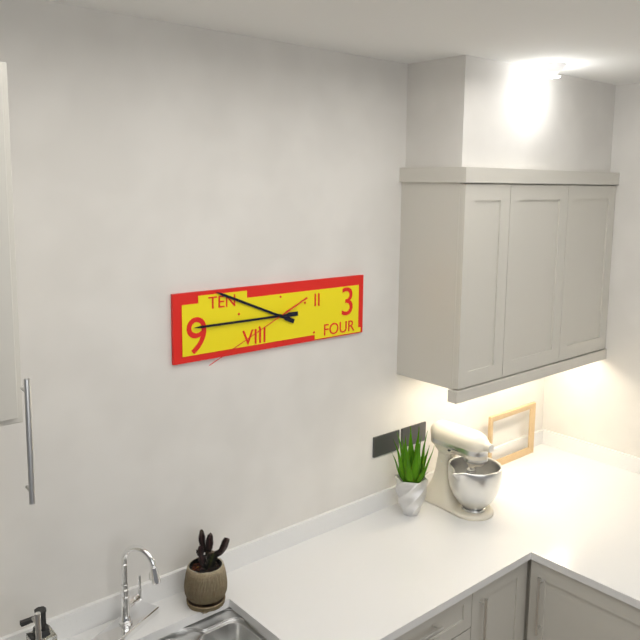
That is 9.45.41
